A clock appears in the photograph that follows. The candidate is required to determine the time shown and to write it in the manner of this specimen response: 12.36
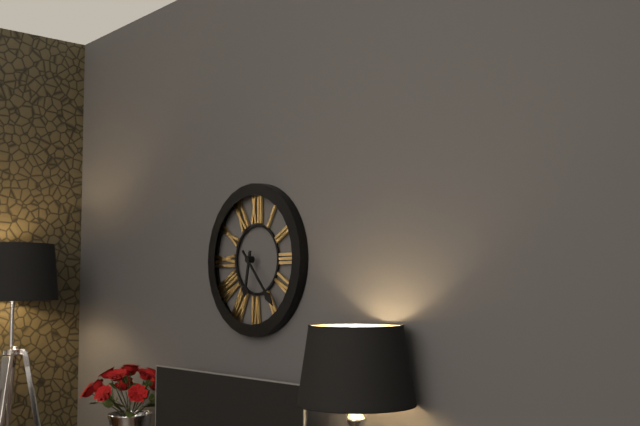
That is 6.23
